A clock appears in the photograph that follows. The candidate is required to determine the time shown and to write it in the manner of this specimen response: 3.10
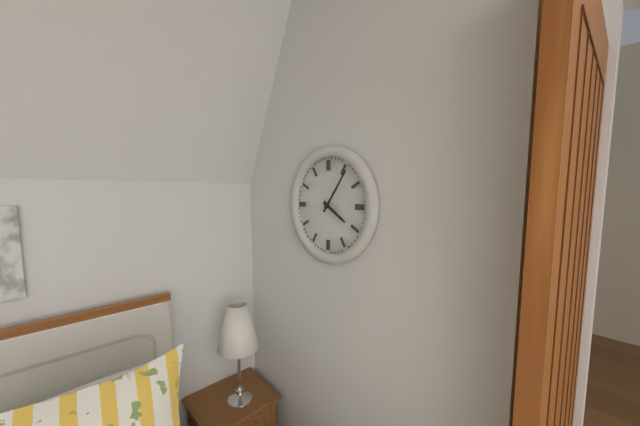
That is 4.06
